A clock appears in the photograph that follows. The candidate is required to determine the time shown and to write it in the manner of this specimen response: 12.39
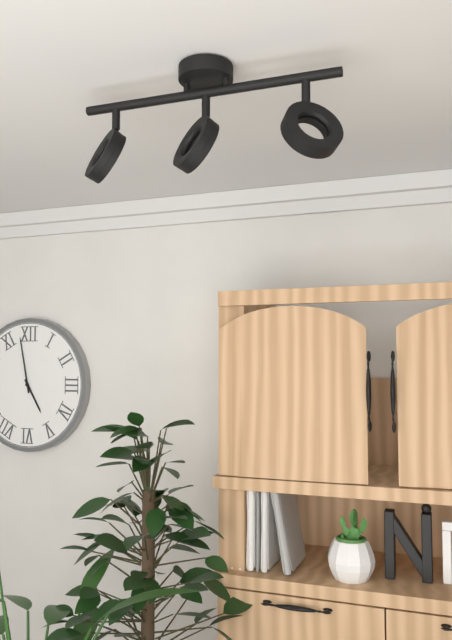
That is 4.58
